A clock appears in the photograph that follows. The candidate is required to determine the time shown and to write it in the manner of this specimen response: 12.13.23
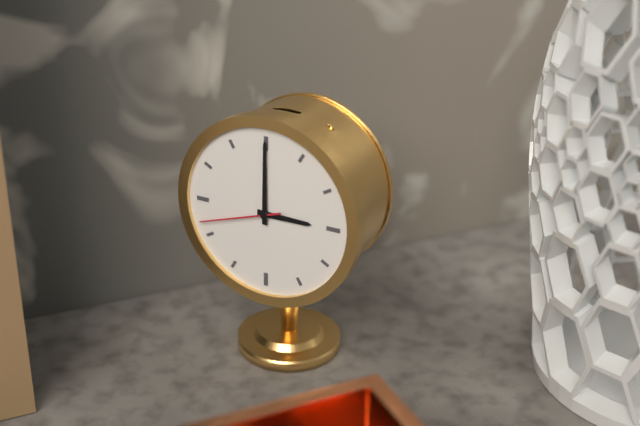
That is 3.00.42
